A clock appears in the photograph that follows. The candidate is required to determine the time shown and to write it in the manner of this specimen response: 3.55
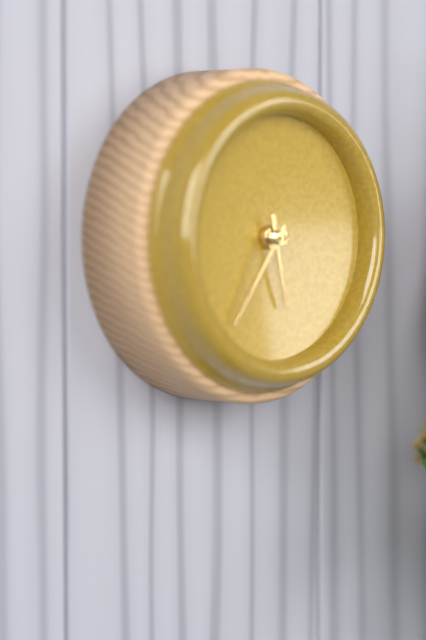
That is 5.36
